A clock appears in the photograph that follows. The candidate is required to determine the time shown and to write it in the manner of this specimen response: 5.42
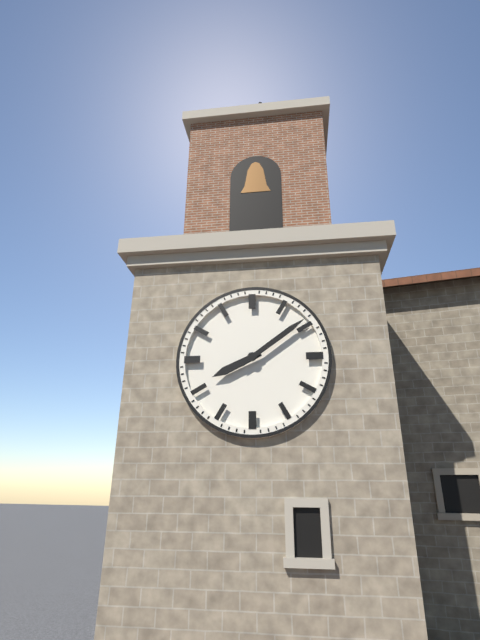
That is 8.09
